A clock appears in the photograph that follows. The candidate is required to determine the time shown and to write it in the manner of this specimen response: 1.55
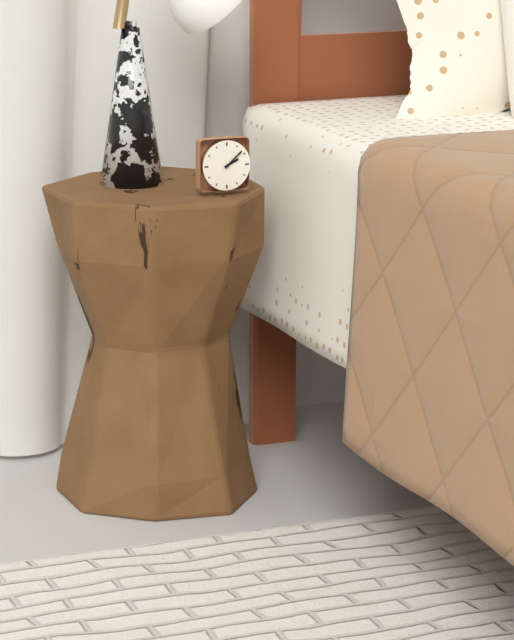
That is 2.08
